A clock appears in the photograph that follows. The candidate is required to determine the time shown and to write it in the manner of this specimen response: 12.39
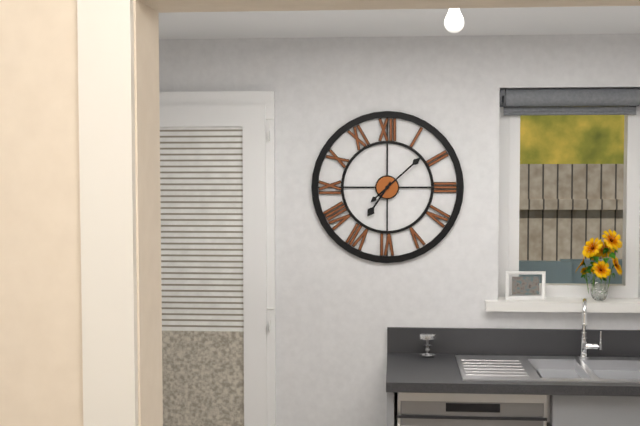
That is 7.08
